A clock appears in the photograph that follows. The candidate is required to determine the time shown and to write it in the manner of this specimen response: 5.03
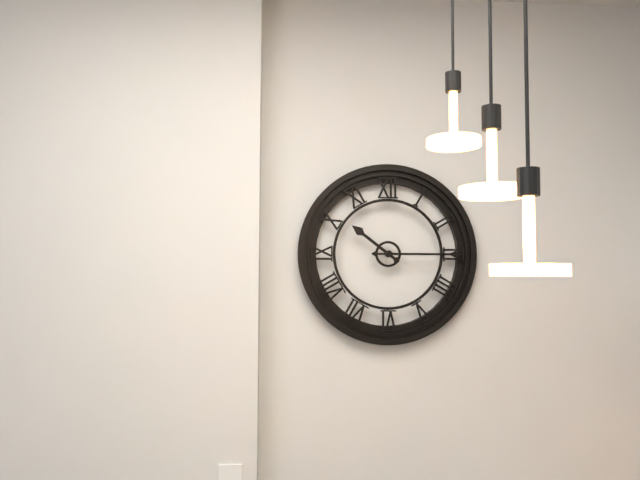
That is 10.15
